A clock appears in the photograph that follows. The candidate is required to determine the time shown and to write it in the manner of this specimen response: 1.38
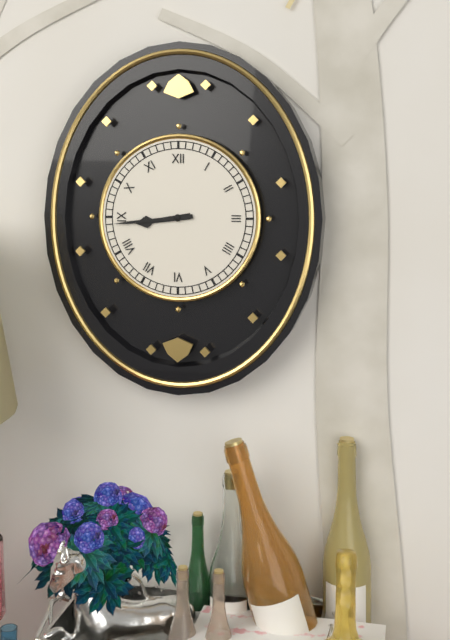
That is 8.44
